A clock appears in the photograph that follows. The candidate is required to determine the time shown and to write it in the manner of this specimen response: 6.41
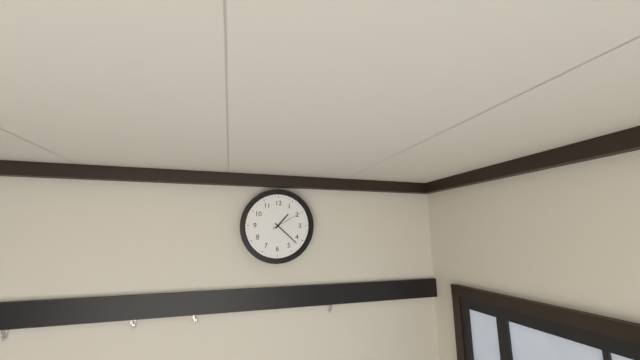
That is 1.22
